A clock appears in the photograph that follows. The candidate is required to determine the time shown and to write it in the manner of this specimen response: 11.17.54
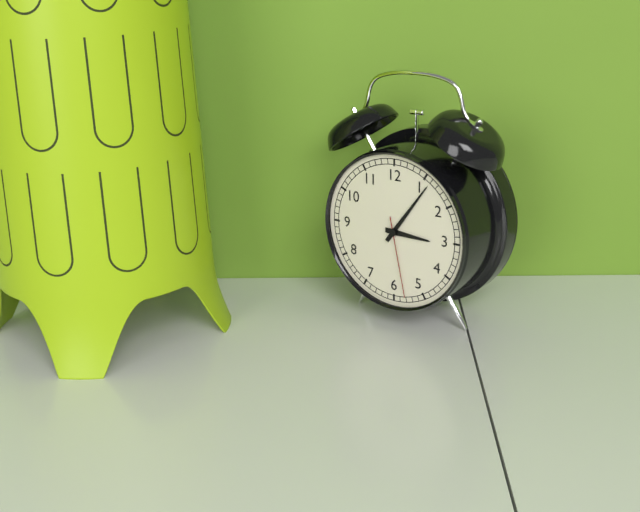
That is 3.06.28
